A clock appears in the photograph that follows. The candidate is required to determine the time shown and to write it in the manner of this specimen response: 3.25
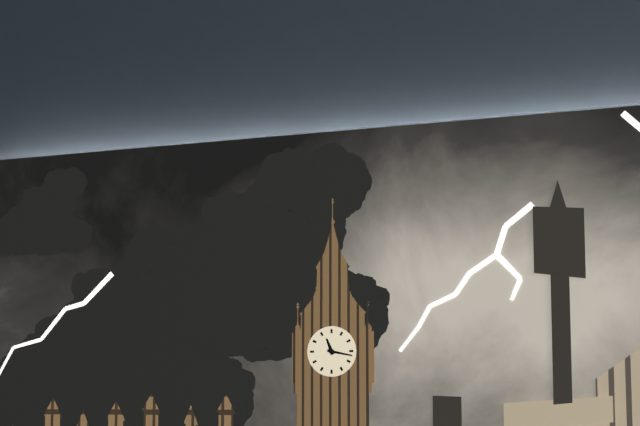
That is 11.17
